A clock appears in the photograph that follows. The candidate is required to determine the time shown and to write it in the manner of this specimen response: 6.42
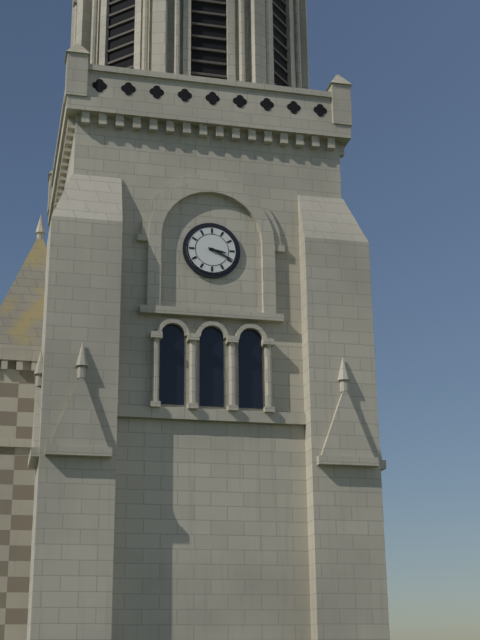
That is 3.19
